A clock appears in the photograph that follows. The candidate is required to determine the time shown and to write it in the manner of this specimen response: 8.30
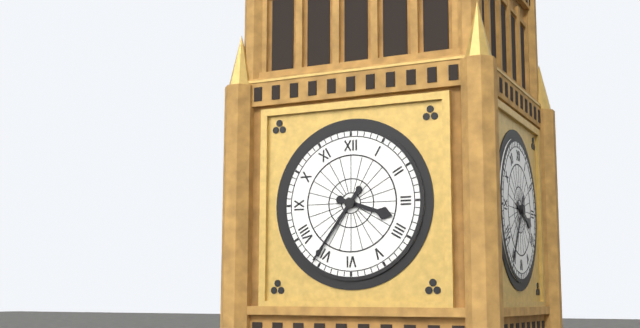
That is 3.36
